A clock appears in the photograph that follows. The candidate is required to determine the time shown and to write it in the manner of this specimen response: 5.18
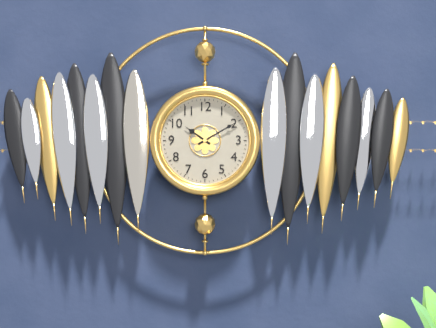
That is 10.10
